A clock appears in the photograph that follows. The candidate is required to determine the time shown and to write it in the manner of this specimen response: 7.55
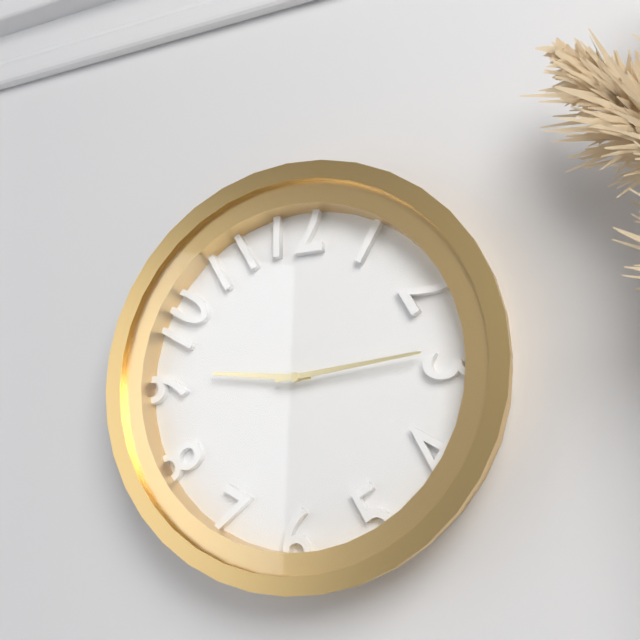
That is 9.14
